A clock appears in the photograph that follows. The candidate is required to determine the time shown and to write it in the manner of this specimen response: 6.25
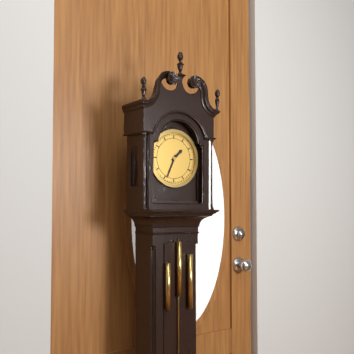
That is 1.34
